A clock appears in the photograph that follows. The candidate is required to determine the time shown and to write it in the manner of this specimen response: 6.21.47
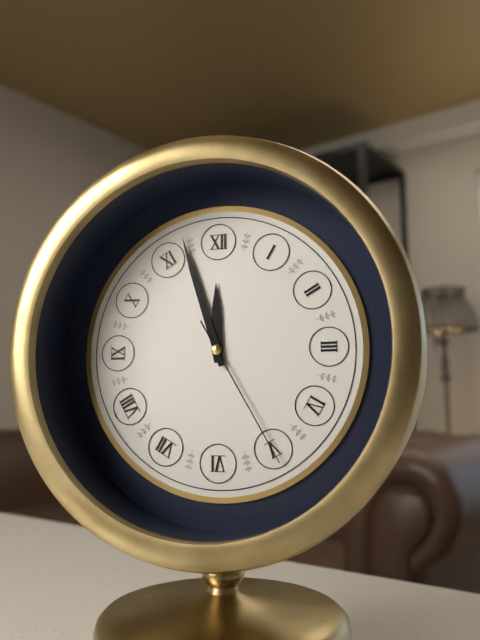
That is 11.57.25
